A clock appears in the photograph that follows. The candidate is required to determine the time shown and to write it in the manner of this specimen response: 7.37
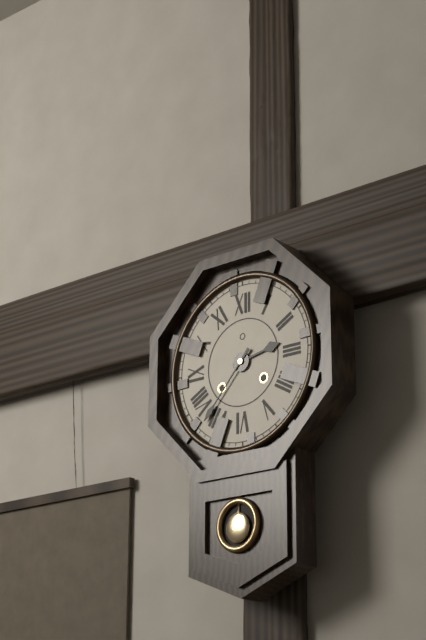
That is 2.37
